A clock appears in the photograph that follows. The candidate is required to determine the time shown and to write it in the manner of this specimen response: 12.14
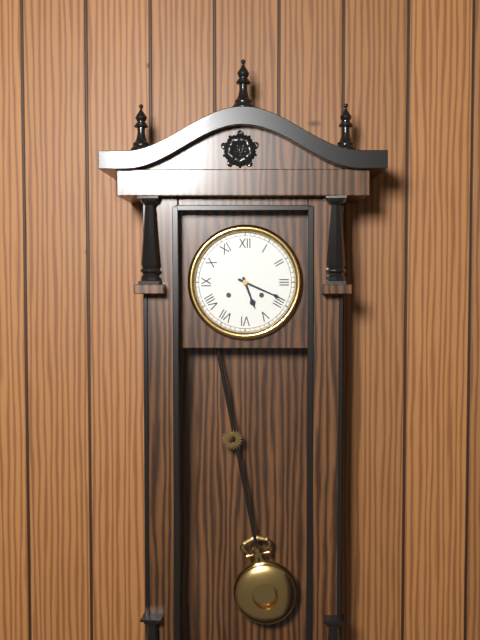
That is 5.19
